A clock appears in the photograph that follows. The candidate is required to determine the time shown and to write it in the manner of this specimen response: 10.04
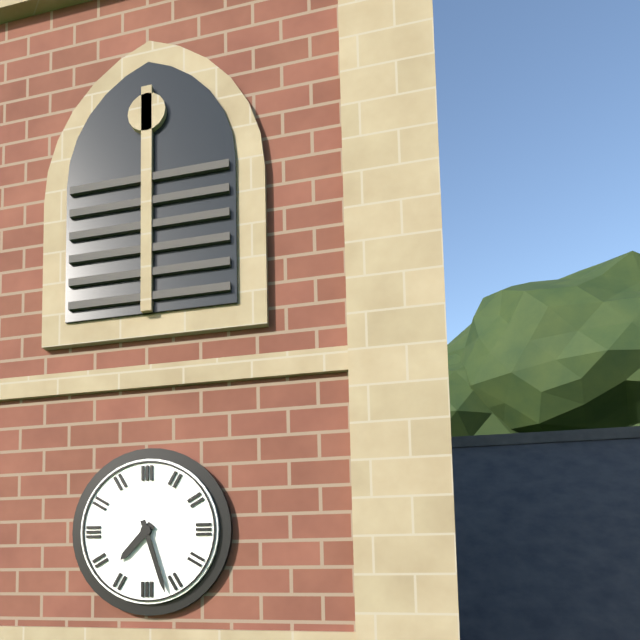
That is 7.27
